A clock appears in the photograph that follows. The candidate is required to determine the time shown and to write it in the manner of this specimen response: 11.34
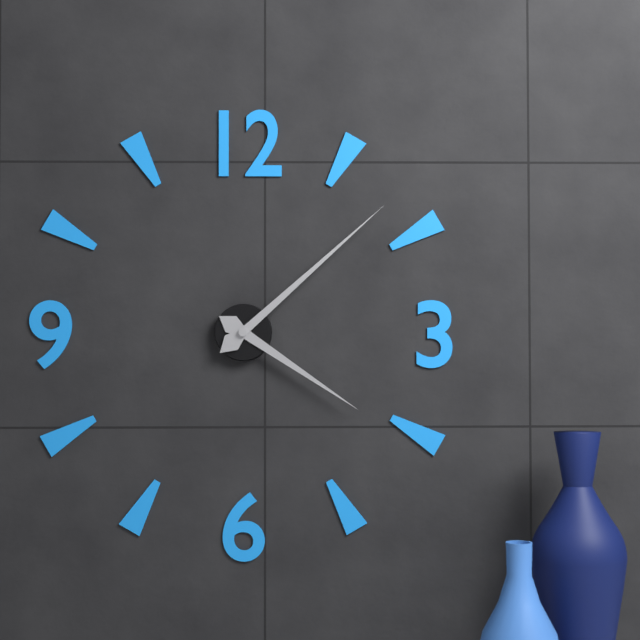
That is 4.08
